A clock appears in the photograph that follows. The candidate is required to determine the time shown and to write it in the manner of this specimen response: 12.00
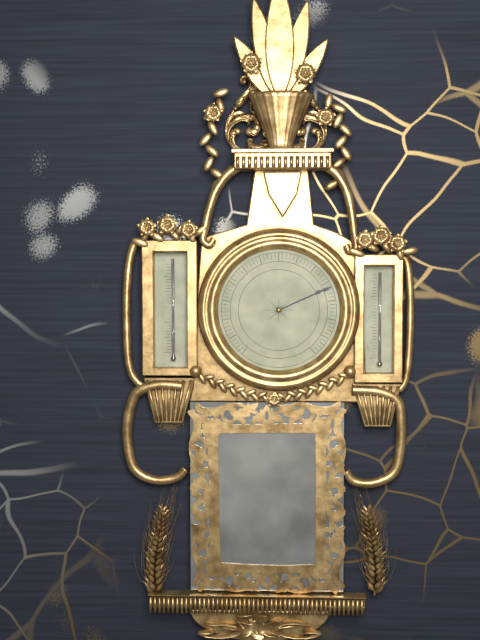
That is 2.11
